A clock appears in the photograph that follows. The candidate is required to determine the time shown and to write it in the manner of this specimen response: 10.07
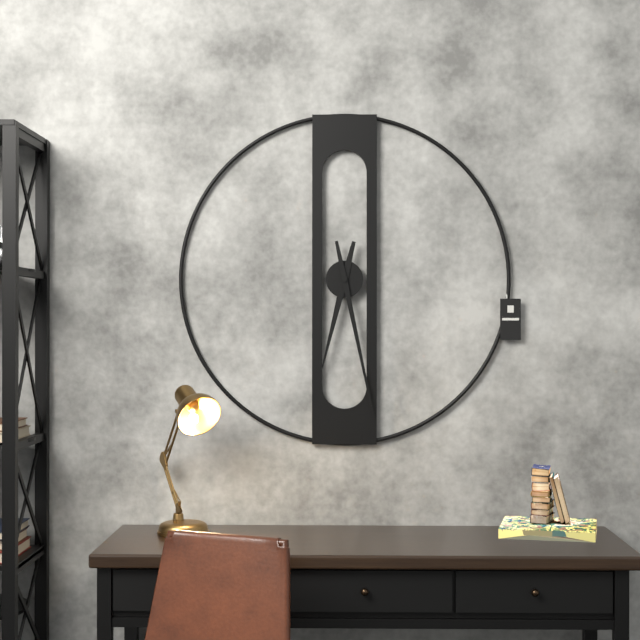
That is 6.28
